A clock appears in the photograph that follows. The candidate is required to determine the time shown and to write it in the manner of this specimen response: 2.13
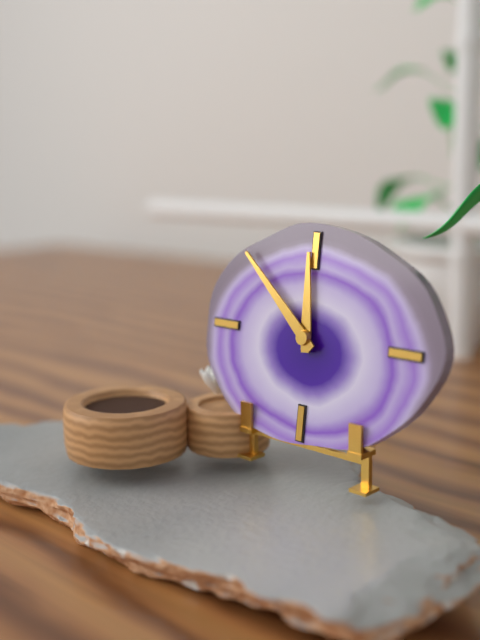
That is 11.52
